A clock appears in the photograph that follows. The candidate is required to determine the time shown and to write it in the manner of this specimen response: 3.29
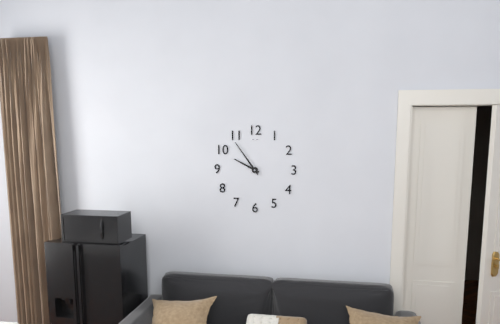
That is 9.54
